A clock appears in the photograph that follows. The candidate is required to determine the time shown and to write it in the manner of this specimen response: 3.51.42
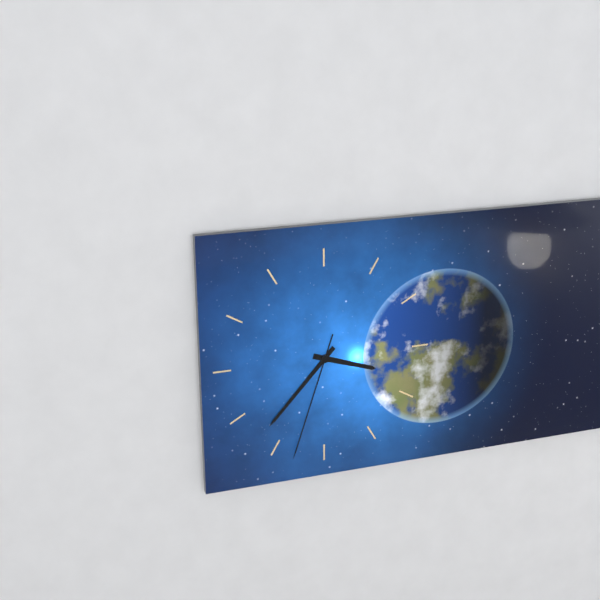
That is 3.37.33
